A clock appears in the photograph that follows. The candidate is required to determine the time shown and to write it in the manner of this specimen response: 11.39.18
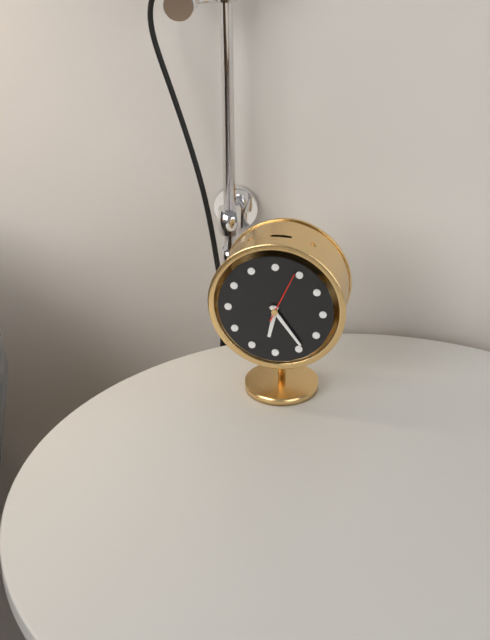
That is 6.24.04
